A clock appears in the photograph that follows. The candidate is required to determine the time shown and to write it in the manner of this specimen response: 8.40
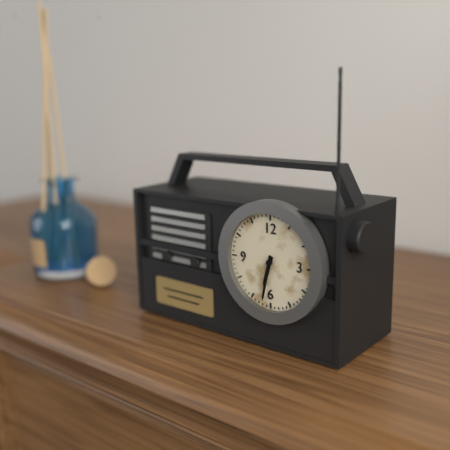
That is 6.32
